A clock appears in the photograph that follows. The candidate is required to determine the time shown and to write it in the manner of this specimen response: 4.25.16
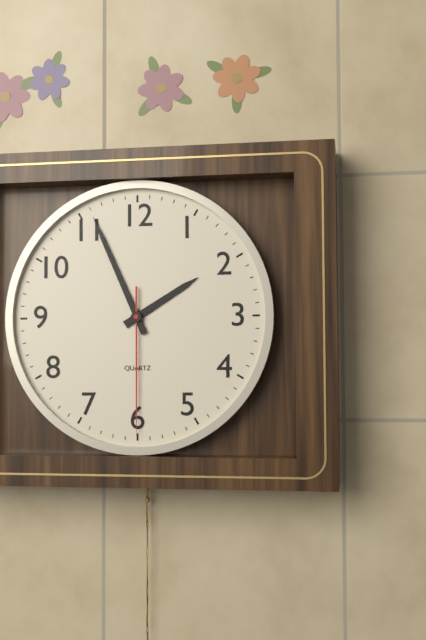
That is 1.56.30
